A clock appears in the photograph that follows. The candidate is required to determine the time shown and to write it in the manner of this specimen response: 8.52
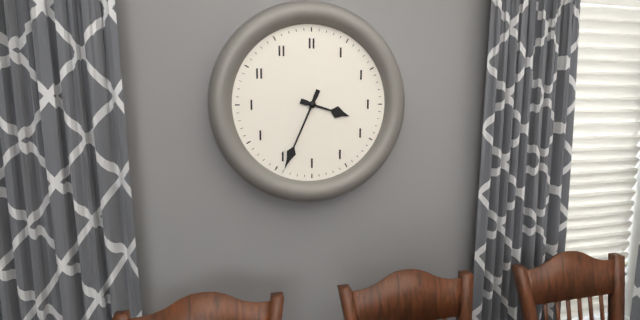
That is 3.34
